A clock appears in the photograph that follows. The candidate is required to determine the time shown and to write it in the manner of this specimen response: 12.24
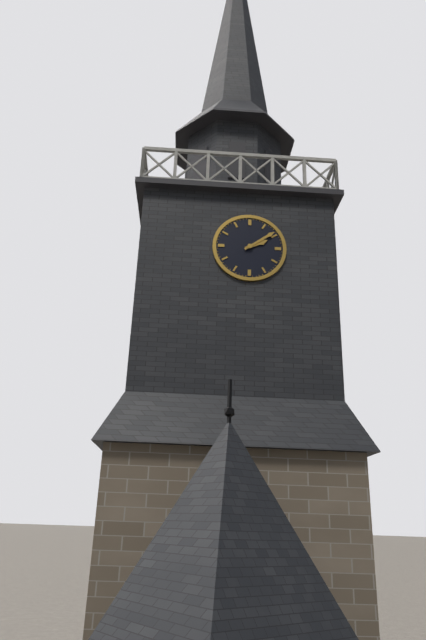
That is 2.09
